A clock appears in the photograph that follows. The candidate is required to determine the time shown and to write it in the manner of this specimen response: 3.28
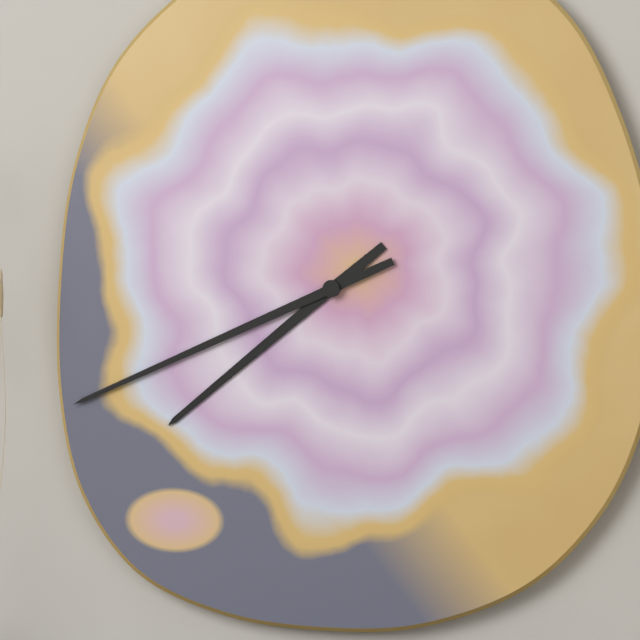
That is 7.41
